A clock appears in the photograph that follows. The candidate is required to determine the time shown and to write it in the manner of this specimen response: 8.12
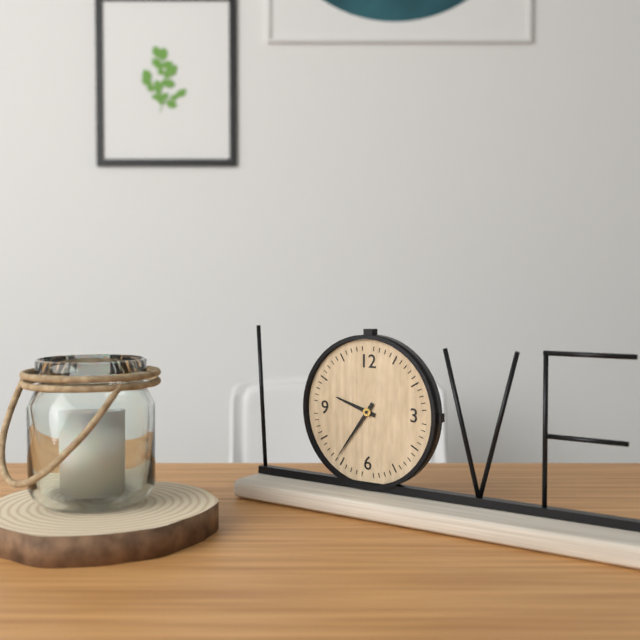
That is 9.36
